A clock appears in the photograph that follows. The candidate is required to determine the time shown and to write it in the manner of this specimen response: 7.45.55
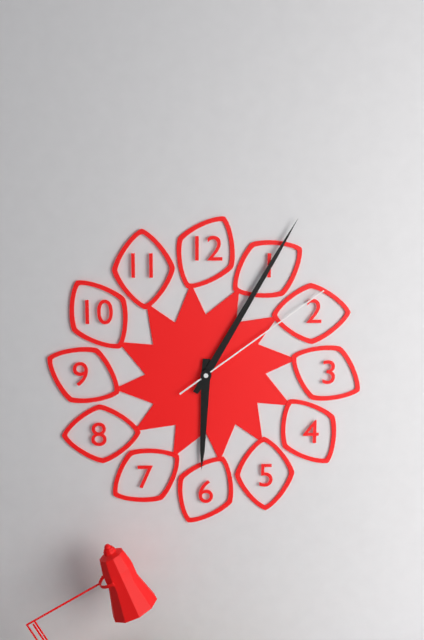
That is 6.05.09
